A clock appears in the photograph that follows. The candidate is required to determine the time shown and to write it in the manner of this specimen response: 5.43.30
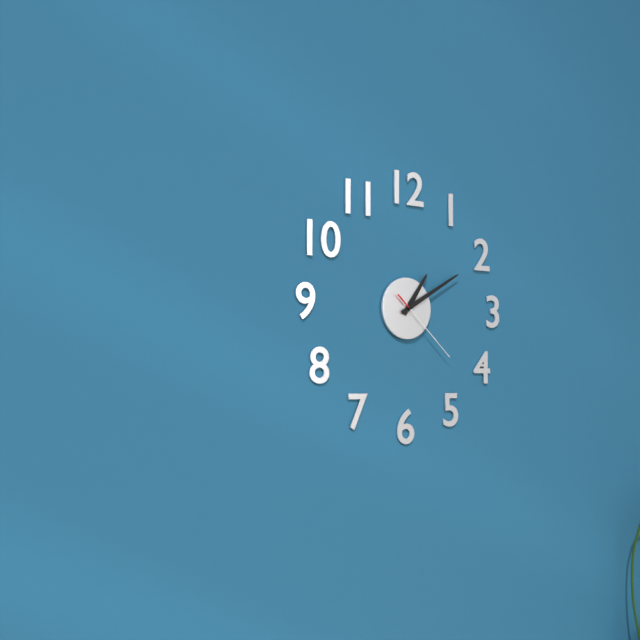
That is 1.10.22
